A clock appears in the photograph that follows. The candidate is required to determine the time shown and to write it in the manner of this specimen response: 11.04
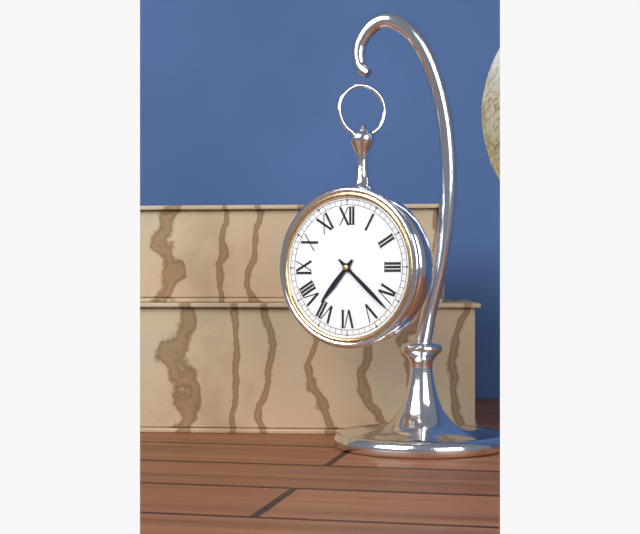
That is 7.22
